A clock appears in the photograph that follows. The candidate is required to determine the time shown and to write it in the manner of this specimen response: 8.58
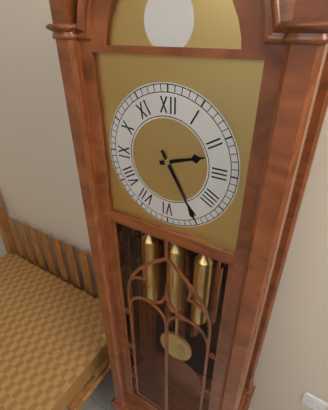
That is 2.25
